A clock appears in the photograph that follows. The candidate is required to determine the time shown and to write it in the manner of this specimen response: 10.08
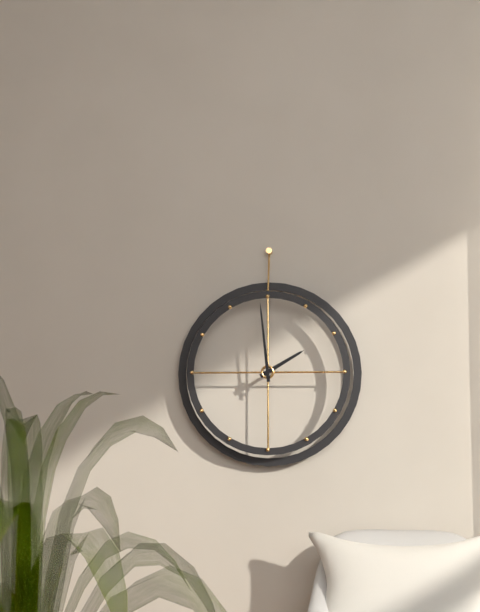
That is 1.59
